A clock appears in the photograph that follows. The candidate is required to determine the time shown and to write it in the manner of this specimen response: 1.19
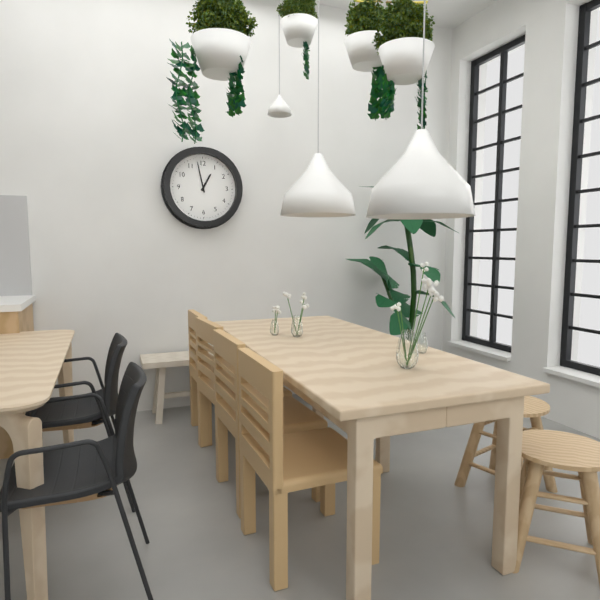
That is 12.58
